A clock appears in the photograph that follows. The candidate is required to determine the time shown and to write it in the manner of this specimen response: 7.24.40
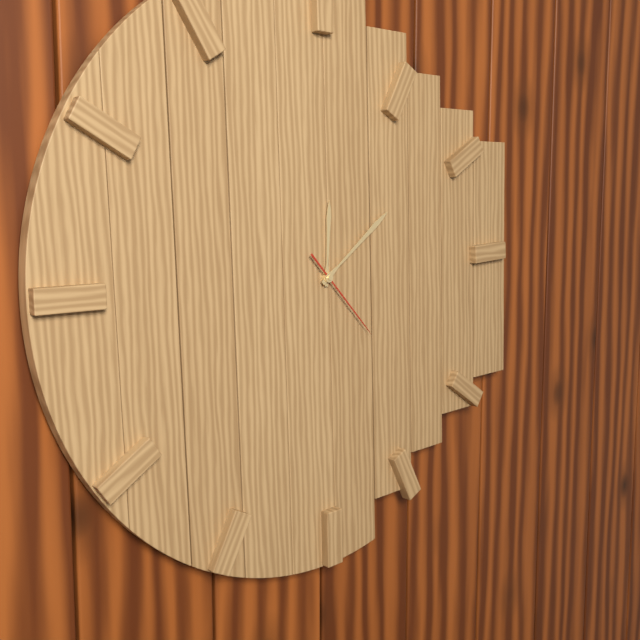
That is 12.09.23
